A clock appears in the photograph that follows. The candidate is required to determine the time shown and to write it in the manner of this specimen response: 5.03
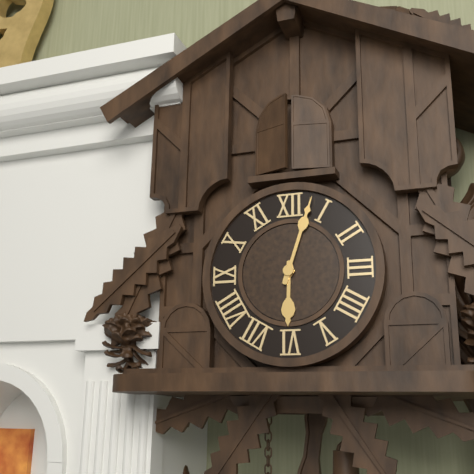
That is 6.03
